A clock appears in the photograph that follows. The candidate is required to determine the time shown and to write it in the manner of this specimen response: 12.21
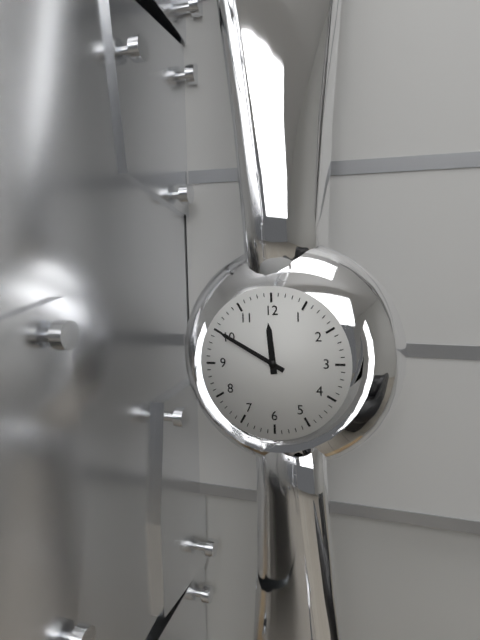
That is 11.50
